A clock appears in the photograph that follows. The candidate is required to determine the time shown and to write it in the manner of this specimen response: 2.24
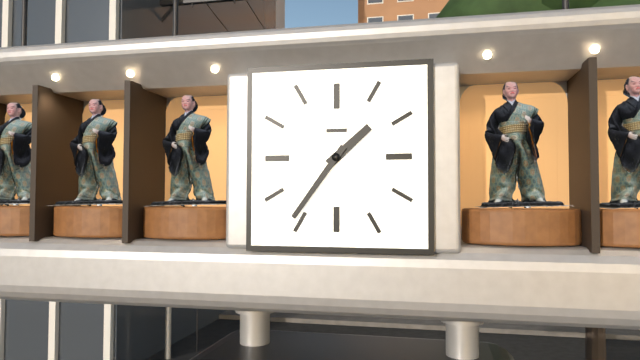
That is 1.36
